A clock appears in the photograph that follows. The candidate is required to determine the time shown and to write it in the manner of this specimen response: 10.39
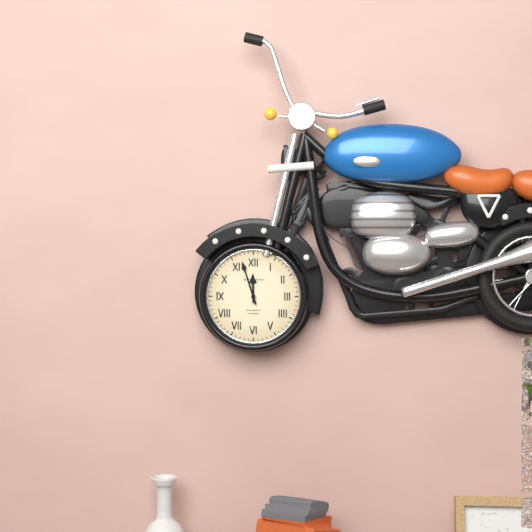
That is 11.57
